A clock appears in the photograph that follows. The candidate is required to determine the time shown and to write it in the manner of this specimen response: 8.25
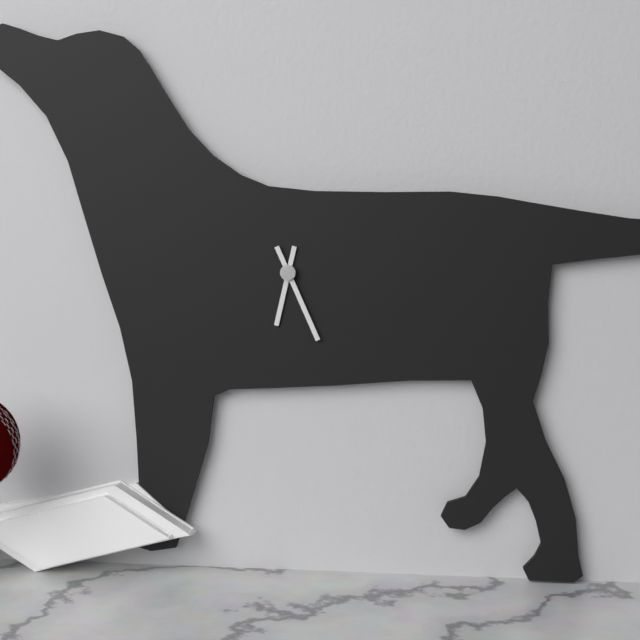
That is 6.26
